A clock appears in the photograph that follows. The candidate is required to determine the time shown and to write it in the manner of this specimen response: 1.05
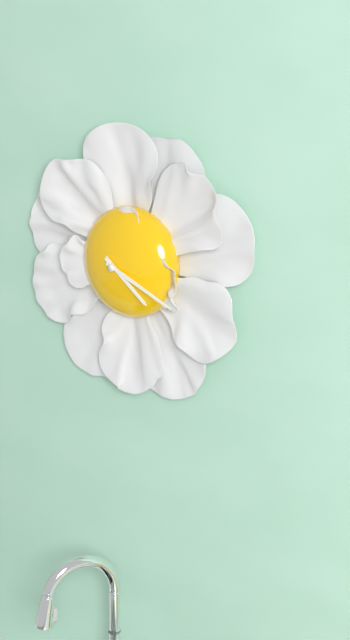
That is 4.19
